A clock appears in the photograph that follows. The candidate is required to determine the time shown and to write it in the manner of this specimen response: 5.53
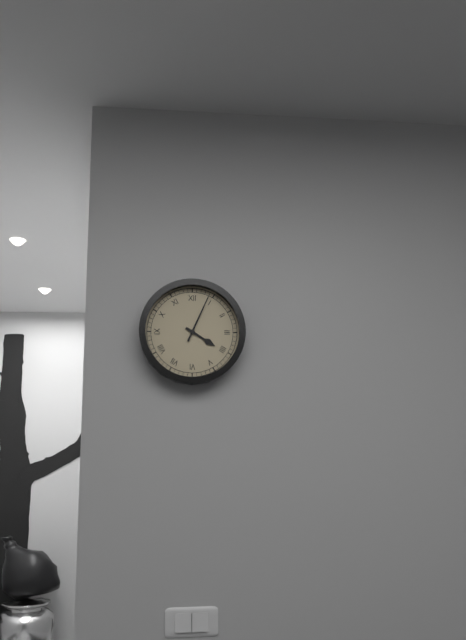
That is 4.04
